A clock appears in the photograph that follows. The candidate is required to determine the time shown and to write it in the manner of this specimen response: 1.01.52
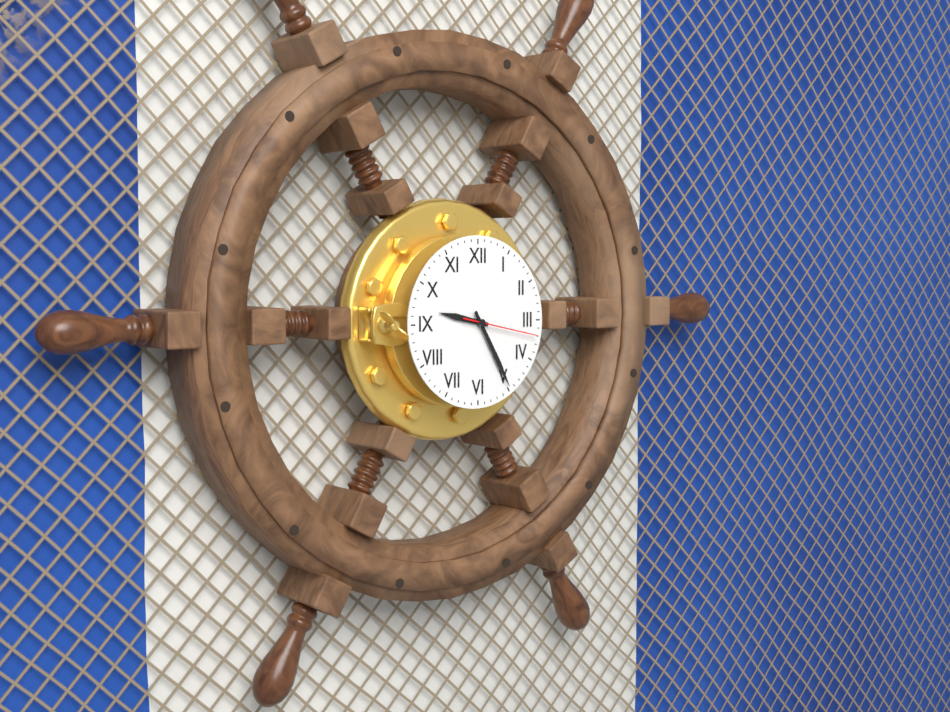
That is 9.25.17
